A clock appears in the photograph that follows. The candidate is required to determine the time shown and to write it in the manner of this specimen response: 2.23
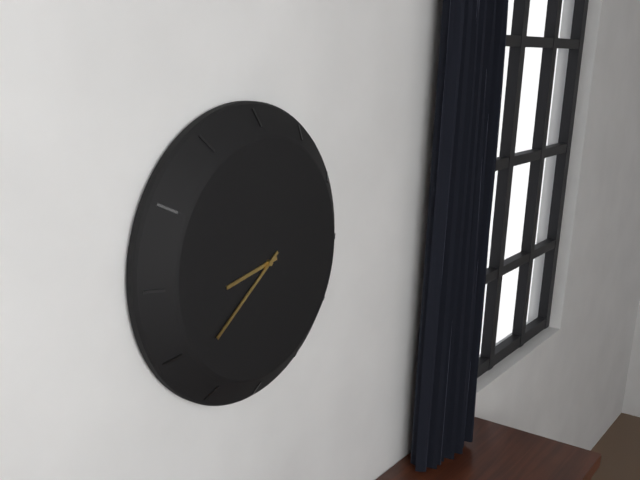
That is 8.39
